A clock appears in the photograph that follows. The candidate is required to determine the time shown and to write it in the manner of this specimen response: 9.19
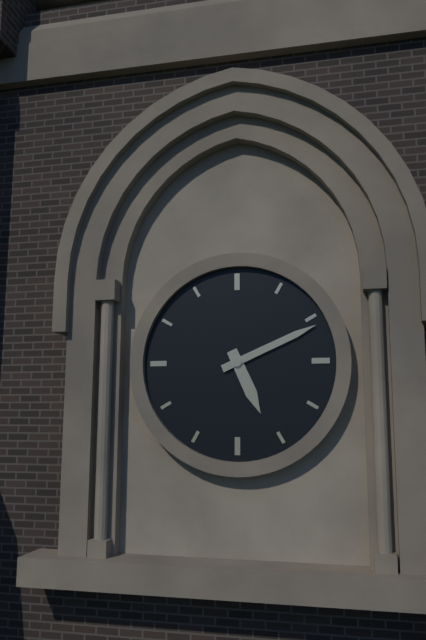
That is 5.11
